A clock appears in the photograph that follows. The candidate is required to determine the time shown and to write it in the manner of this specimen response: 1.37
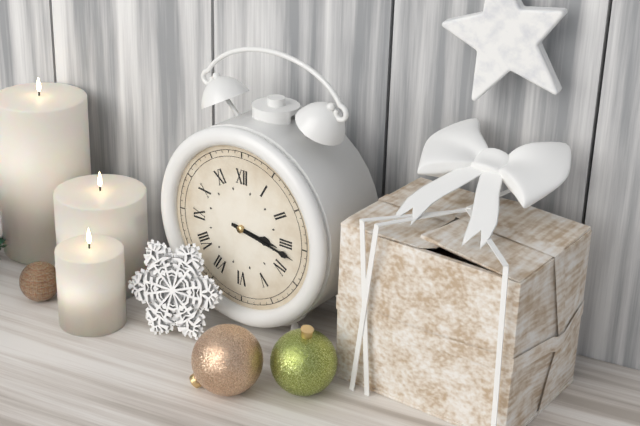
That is 3.17
